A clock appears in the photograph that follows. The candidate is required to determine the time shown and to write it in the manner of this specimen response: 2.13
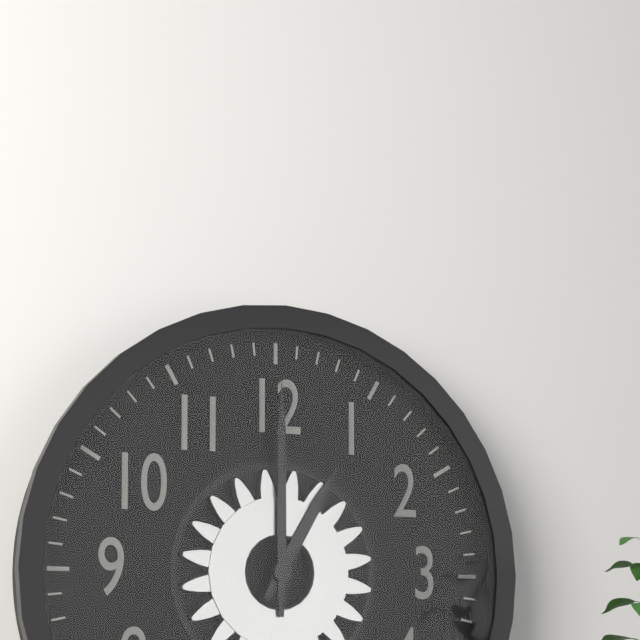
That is 1.00
